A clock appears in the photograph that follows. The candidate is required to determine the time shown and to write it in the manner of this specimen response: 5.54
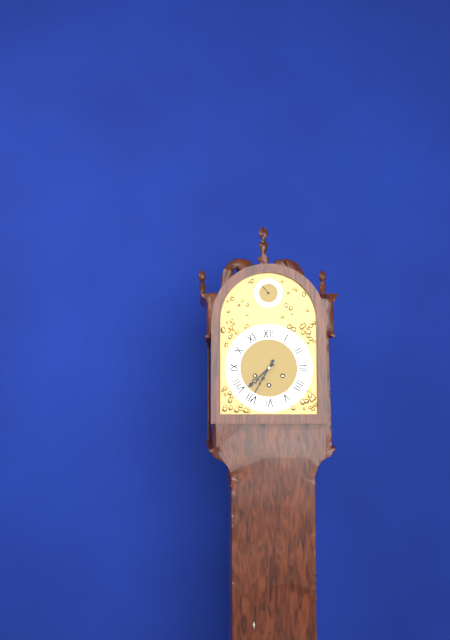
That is 7.35
